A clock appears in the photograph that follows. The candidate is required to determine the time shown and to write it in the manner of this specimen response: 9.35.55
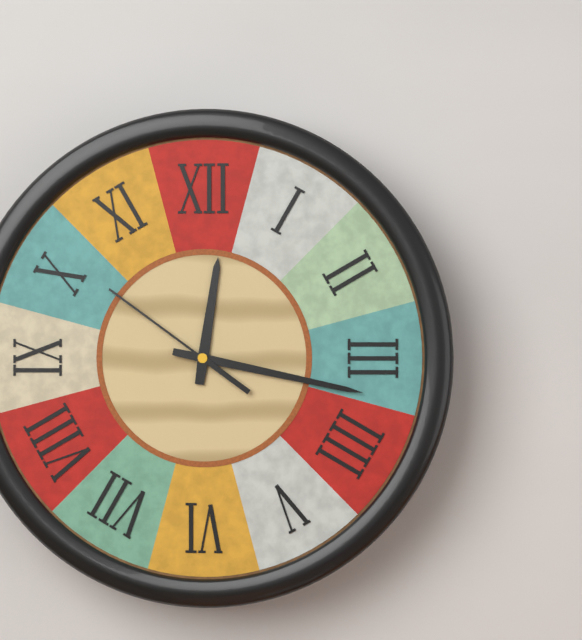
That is 12.17.51
